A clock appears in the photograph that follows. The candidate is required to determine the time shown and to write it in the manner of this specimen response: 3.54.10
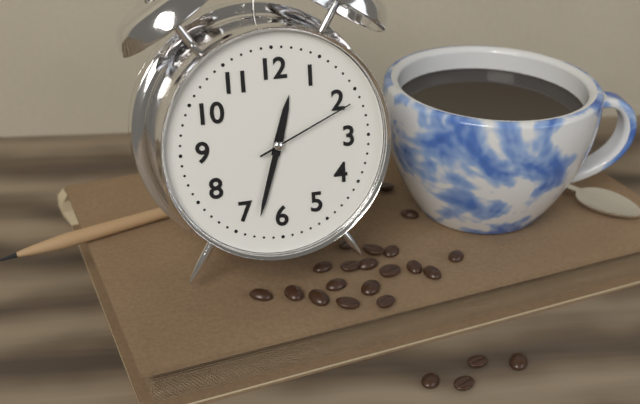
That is 12.33.11
